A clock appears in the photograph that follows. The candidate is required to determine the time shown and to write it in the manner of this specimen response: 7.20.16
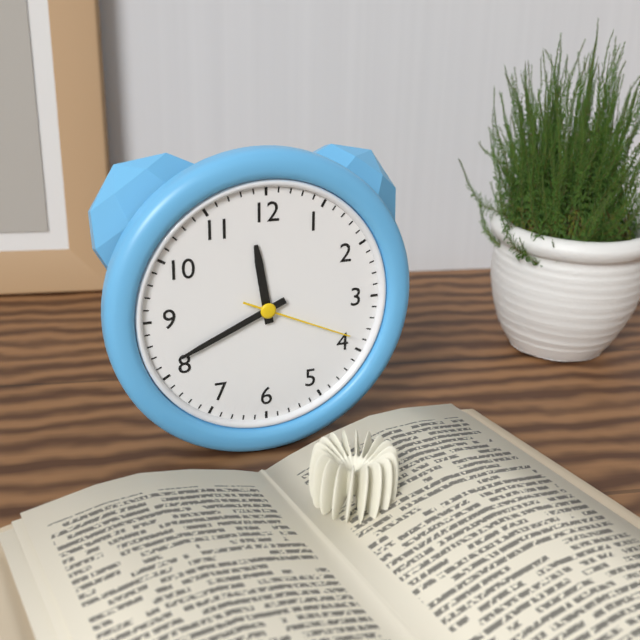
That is 11.41.19
